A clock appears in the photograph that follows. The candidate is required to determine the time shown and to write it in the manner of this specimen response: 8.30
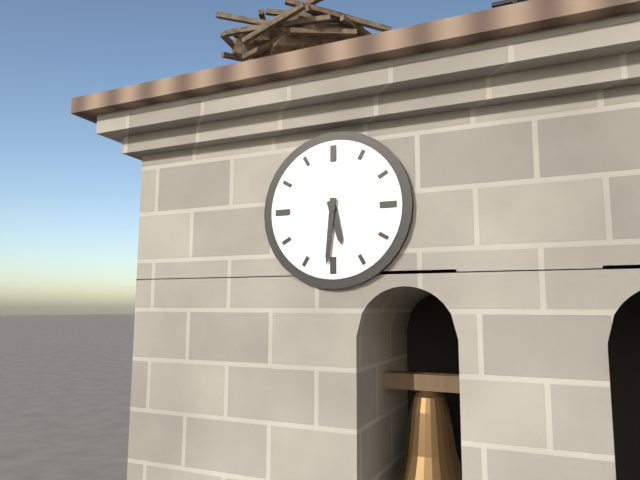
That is 5.31
